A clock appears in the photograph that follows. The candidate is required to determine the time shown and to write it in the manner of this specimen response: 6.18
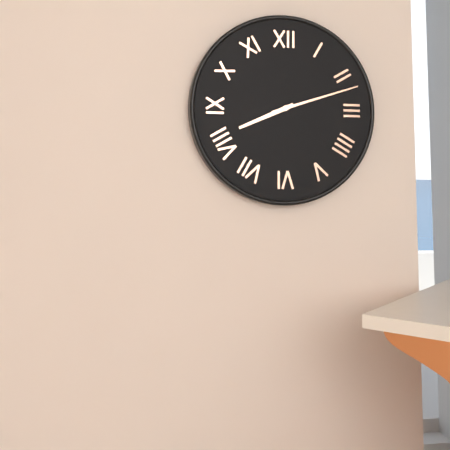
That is 8.12
